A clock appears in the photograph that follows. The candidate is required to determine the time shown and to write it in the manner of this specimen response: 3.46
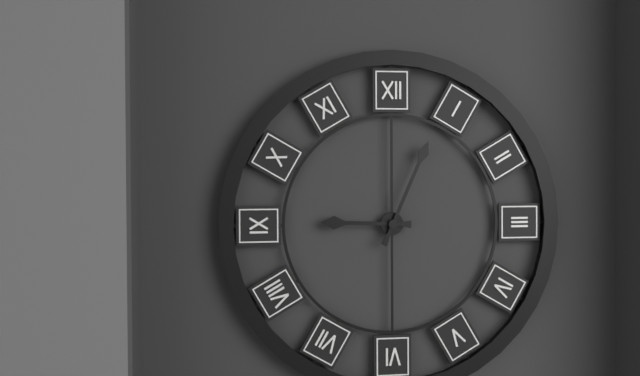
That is 9.04
